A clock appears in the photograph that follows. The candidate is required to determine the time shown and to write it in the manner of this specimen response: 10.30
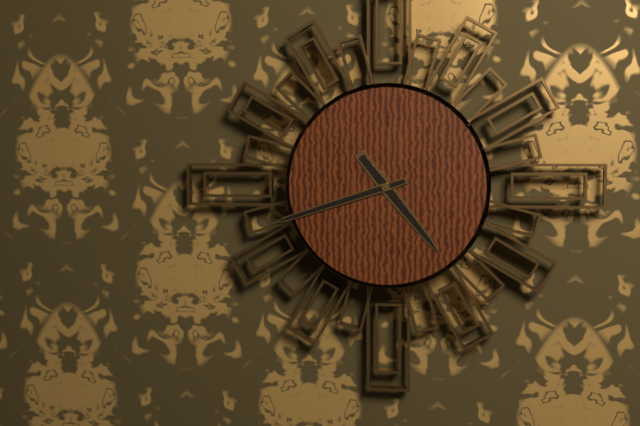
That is 4.42
